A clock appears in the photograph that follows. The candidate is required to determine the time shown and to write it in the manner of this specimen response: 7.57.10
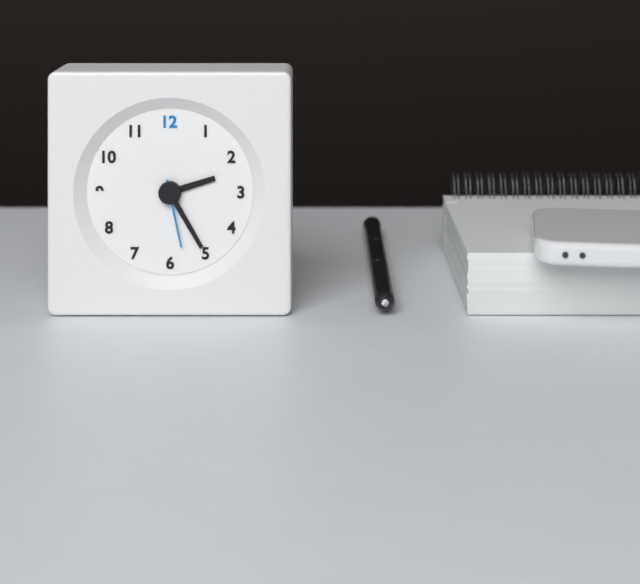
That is 2.25.28
